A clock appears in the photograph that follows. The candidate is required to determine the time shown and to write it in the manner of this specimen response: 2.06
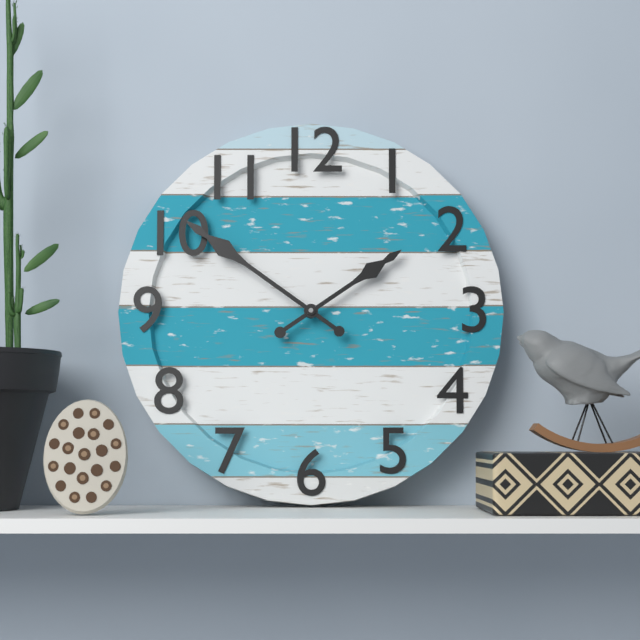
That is 1.51
